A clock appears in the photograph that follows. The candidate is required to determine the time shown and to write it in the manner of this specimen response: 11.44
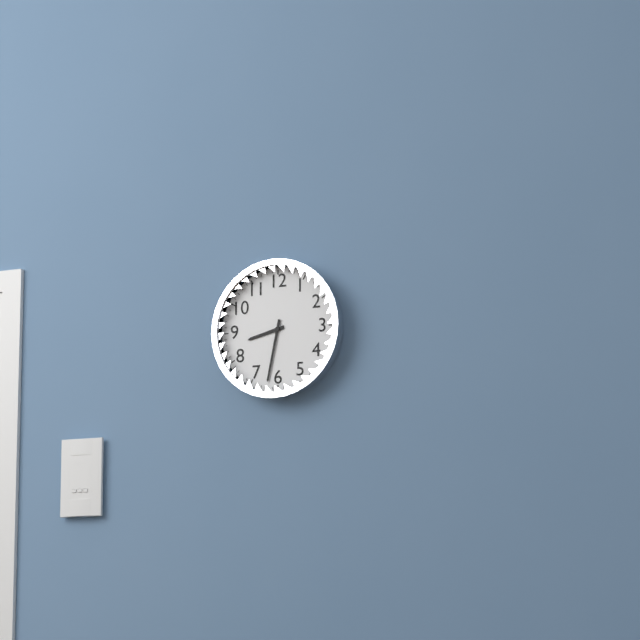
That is 8.32
